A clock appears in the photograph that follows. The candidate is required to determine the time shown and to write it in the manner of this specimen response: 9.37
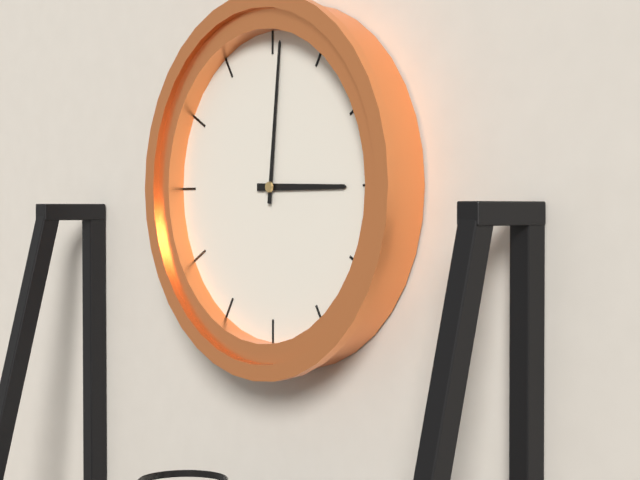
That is 3.01
